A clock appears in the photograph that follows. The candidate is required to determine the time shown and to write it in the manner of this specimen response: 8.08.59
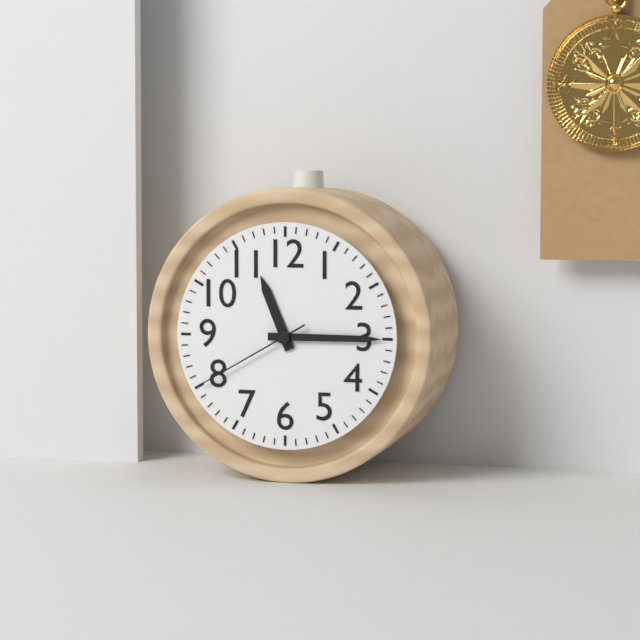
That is 11.15.40
